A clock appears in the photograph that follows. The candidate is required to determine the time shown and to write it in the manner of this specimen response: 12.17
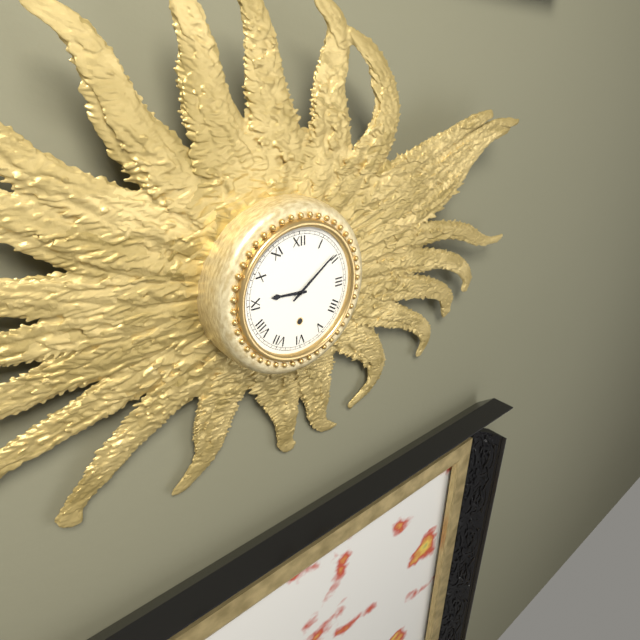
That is 9.09
